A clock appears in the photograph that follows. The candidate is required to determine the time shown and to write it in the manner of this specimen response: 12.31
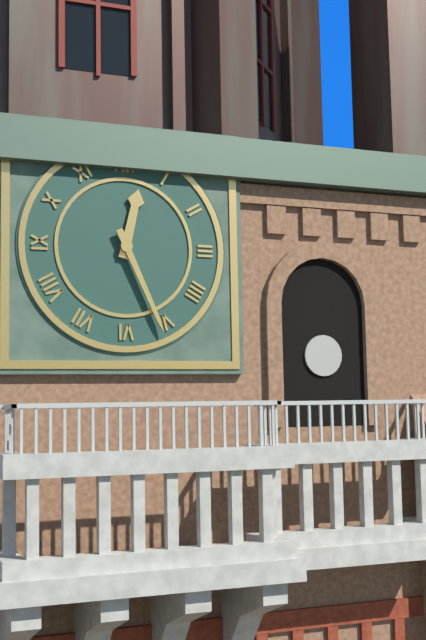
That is 12.26
